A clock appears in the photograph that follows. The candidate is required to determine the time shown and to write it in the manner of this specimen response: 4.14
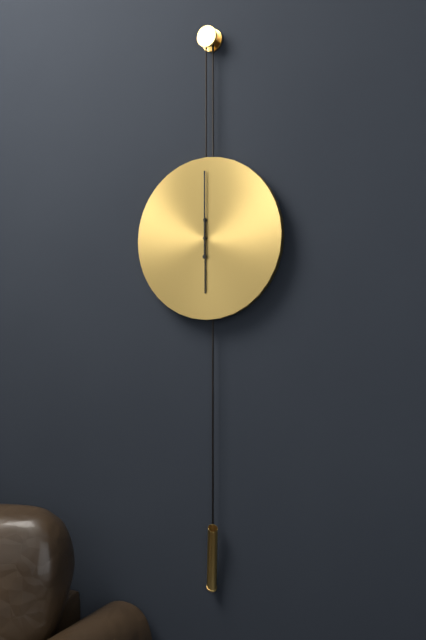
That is 6.00
